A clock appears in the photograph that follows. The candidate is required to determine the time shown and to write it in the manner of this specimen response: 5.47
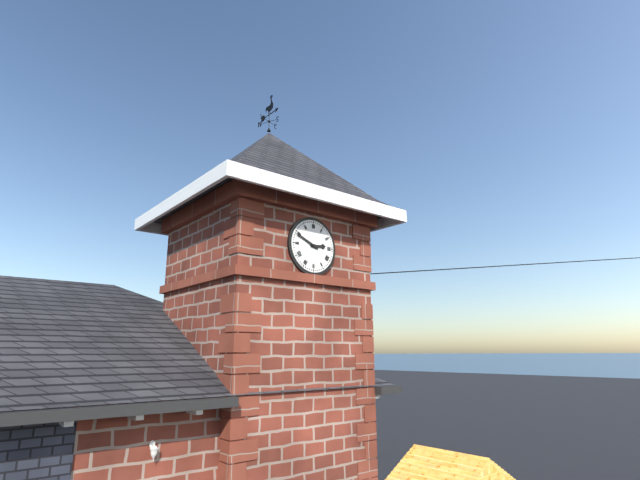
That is 2.49
